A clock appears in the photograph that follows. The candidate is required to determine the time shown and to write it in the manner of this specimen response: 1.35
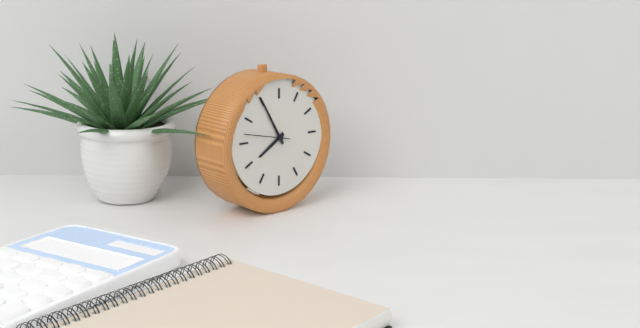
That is 7.55
